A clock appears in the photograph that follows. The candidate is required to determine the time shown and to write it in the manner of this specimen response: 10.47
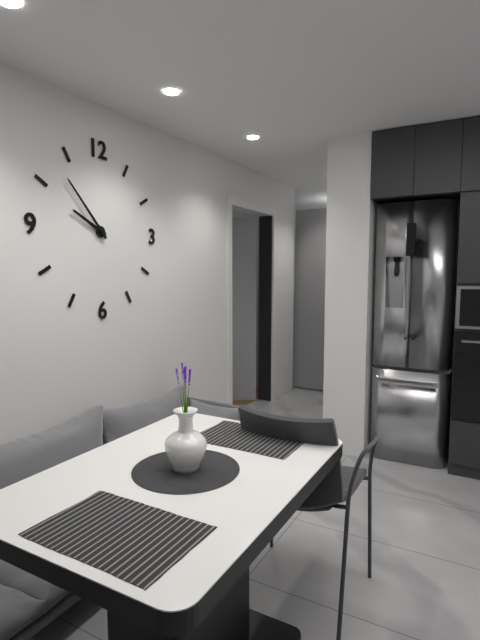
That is 9.53
